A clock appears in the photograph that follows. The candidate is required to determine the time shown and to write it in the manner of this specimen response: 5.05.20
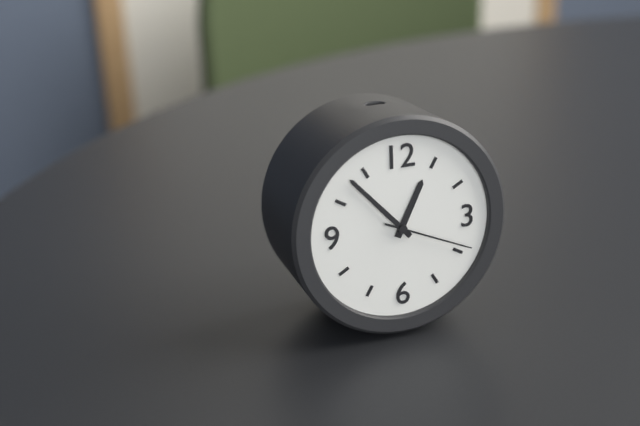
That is 12.53.19
